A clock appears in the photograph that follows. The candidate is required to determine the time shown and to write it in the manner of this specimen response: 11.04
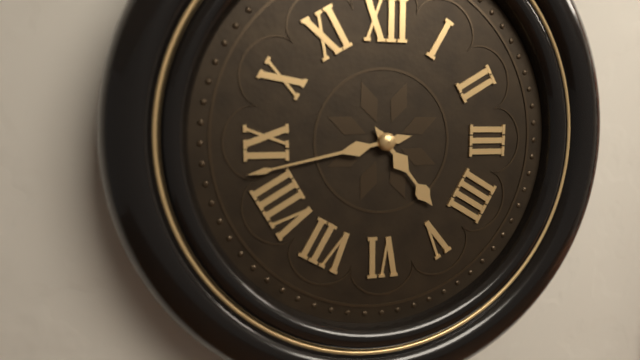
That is 4.43
